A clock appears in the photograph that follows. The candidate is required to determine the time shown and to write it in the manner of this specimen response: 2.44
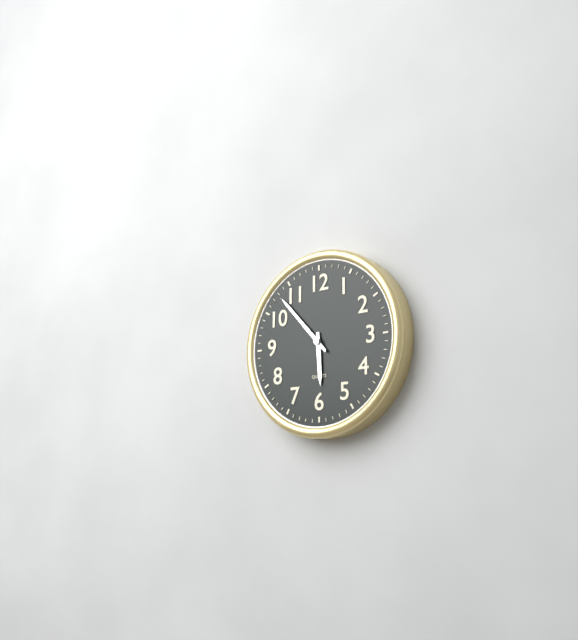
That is 5.53
